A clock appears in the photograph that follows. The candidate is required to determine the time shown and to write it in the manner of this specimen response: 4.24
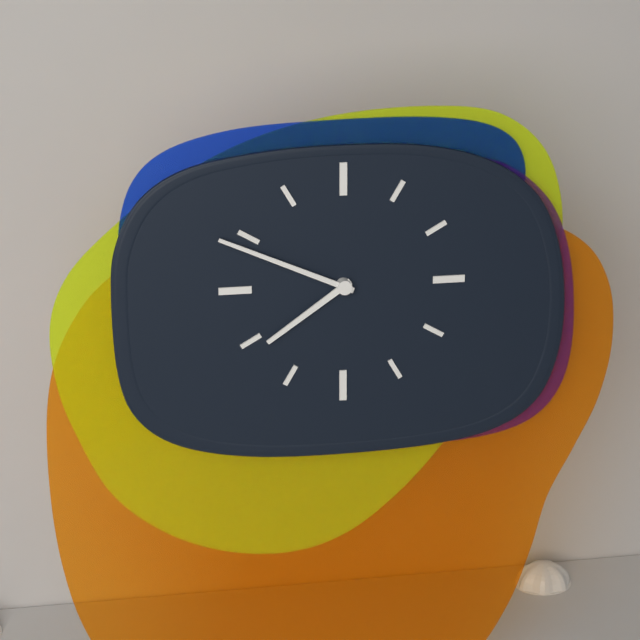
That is 7.49
